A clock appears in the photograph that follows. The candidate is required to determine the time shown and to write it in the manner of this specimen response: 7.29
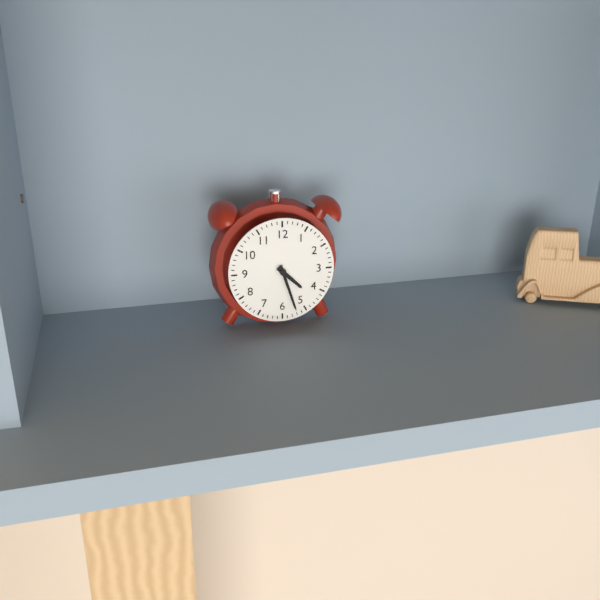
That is 4.27
